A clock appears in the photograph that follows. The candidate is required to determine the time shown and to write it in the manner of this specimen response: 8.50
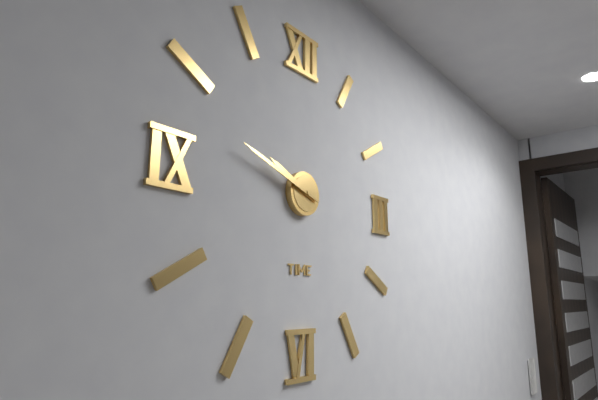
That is 9.48
